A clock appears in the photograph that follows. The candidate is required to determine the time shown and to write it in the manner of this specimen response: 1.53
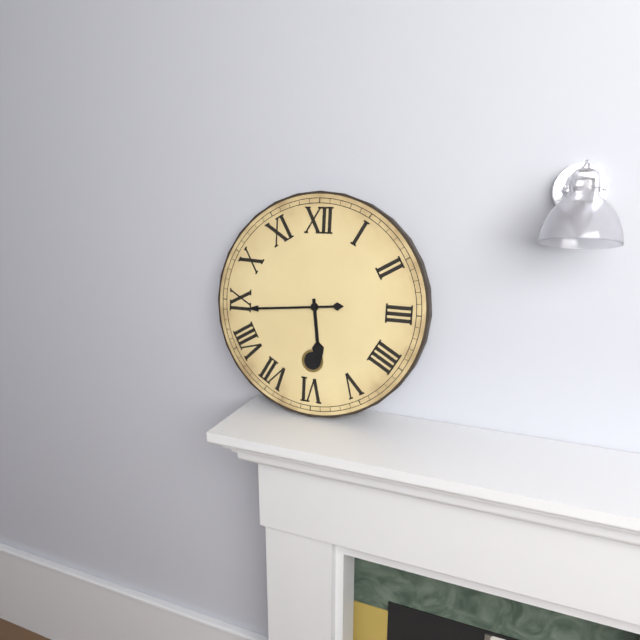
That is 5.44
